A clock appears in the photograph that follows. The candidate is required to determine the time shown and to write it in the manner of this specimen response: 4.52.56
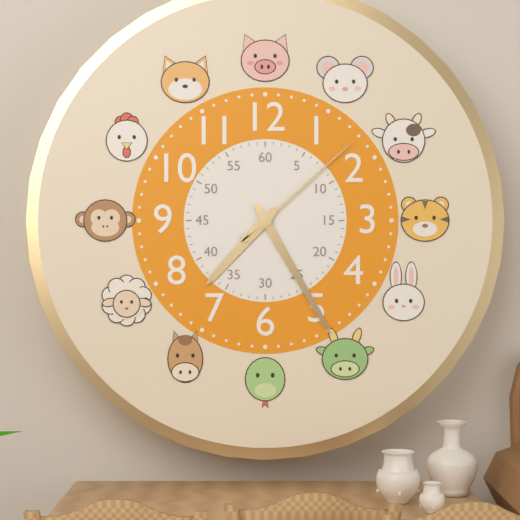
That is 7.25.08
